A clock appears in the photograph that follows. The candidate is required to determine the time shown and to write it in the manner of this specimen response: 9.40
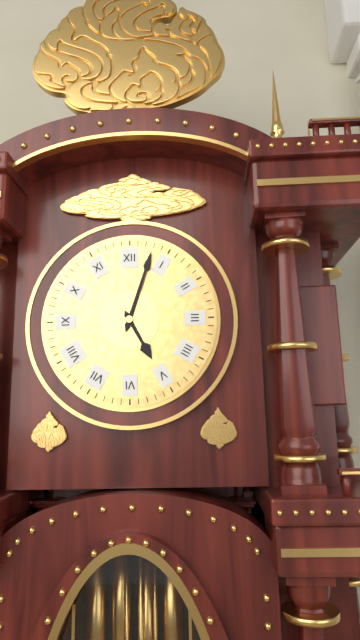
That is 5.03
